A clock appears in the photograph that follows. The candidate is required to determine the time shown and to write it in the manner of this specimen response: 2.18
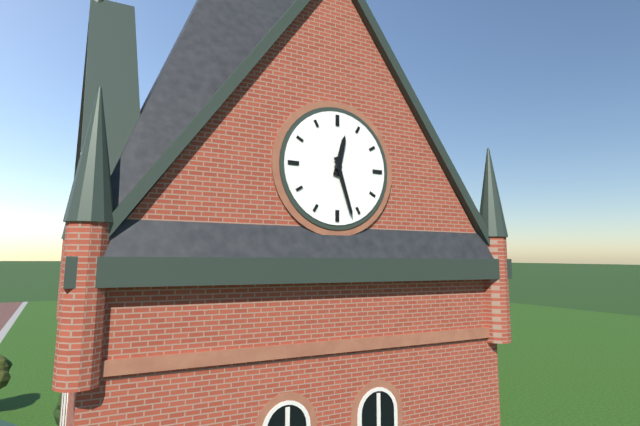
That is 12.27
